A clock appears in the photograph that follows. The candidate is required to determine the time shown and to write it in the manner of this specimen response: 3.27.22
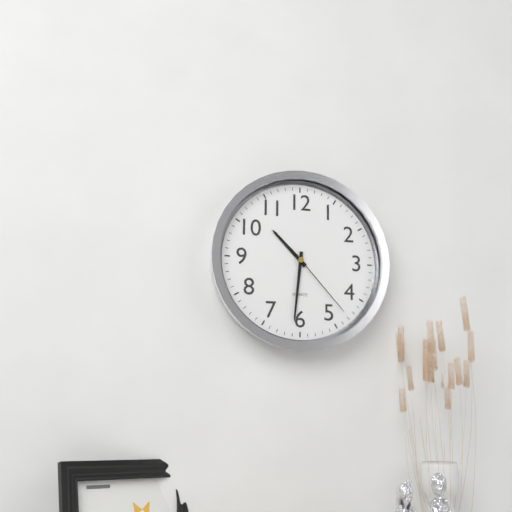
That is 10.31.23
